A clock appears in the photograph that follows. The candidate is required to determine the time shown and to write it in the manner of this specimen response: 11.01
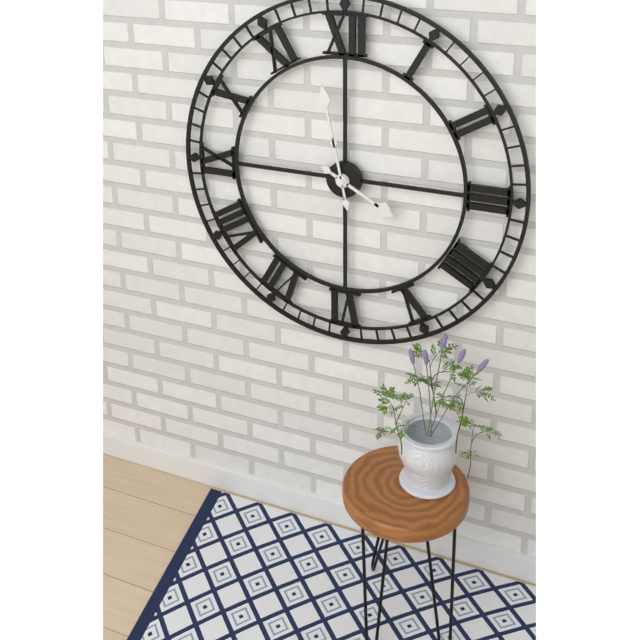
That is 3.58
